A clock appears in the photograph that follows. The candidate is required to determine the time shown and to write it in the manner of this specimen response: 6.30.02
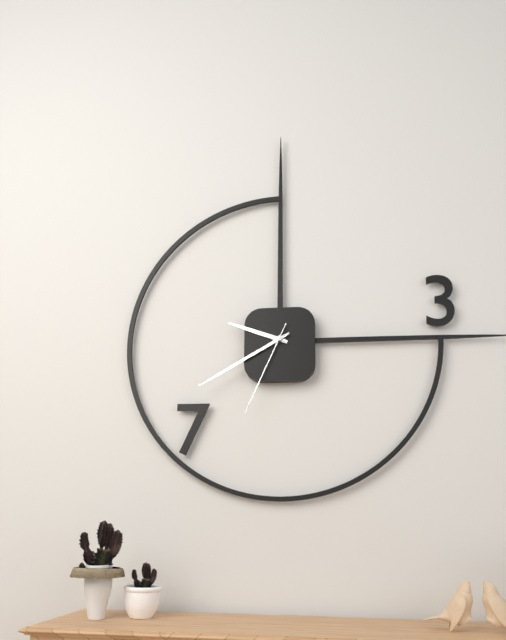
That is 9.40.34
